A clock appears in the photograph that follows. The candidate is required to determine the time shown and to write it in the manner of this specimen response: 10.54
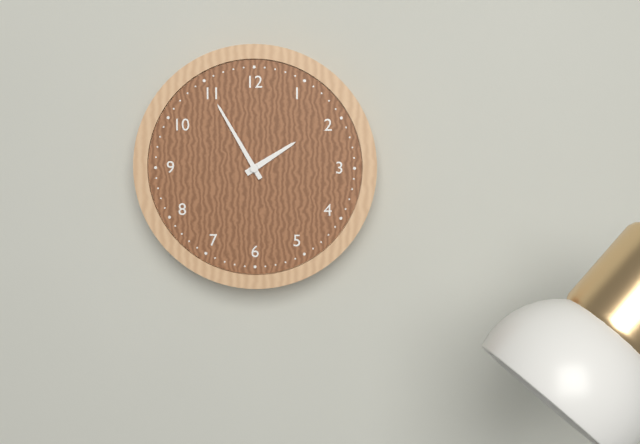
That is 1.55
